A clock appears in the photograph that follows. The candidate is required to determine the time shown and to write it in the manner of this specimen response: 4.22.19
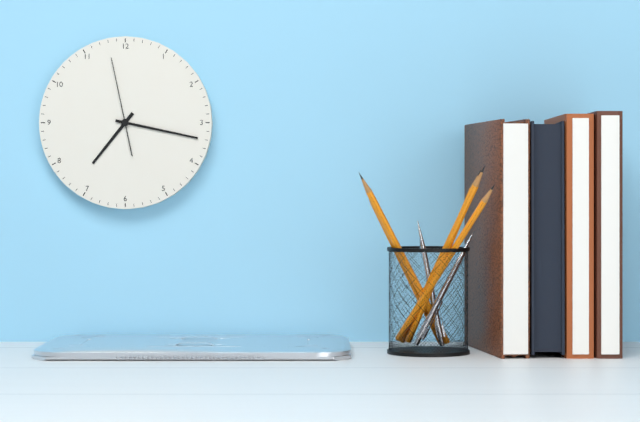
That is 7.17.58
